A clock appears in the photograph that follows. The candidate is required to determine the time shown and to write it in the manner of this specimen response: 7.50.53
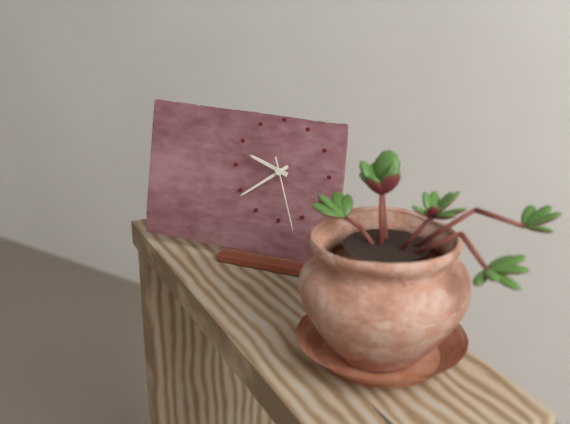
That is 9.39.27
